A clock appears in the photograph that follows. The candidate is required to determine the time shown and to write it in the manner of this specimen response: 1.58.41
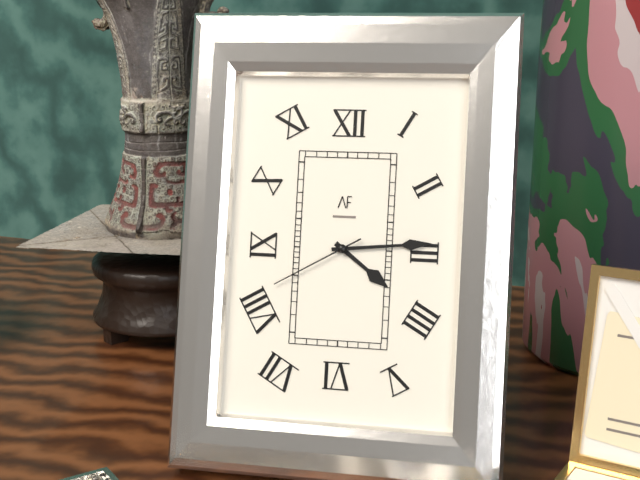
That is 4.14.40
